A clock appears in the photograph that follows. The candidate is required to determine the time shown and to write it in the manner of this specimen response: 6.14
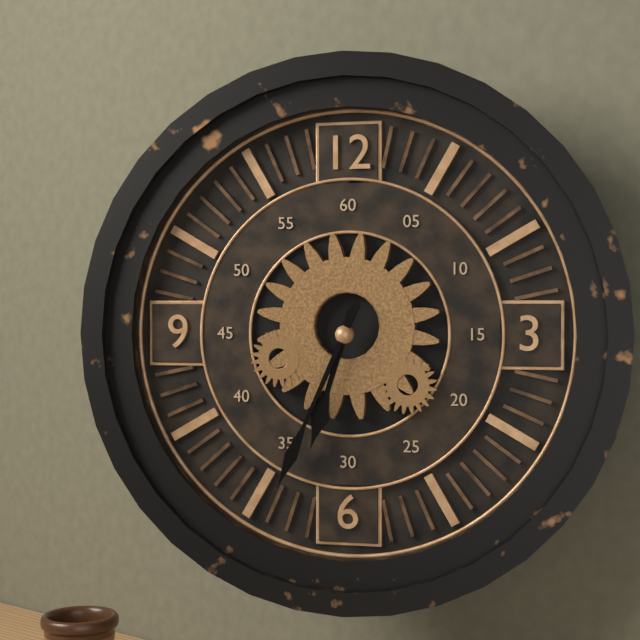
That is 6.34
